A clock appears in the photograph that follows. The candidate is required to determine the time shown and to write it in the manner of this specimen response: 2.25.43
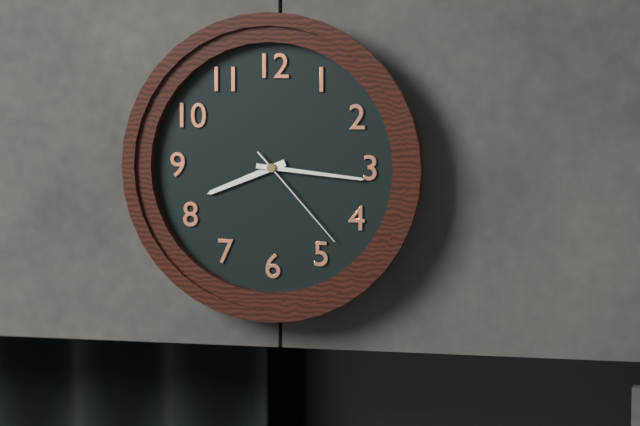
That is 8.16.23
